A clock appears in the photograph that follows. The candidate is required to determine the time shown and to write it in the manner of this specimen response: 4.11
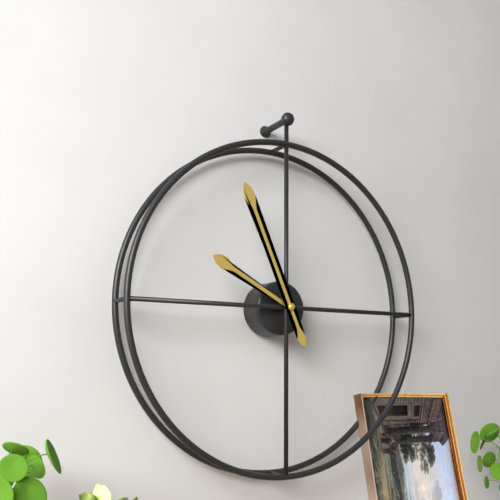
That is 9.56
